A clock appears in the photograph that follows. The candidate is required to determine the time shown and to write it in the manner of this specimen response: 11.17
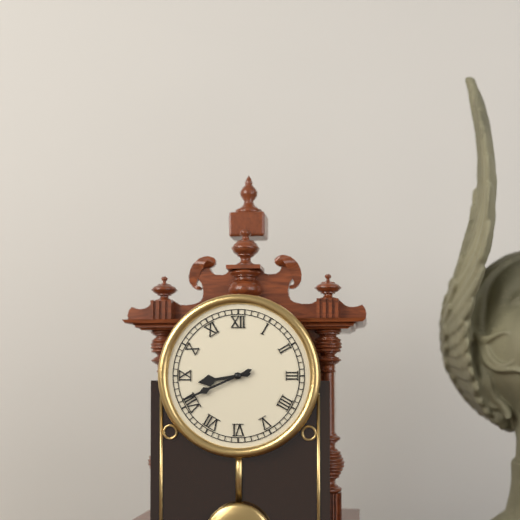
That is 8.41
